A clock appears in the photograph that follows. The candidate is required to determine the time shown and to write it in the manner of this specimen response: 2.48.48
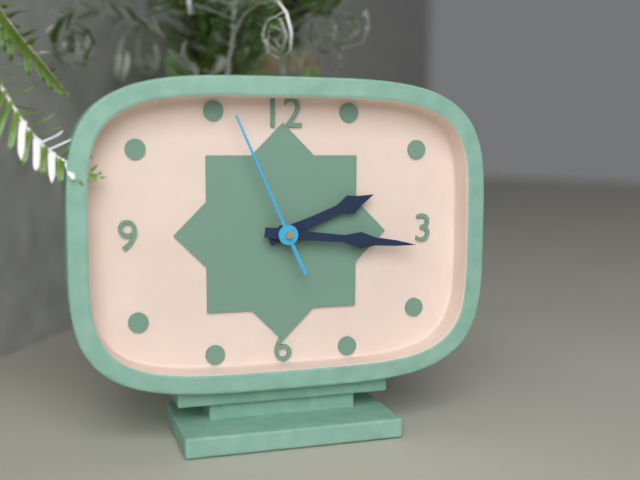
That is 2.16.56
